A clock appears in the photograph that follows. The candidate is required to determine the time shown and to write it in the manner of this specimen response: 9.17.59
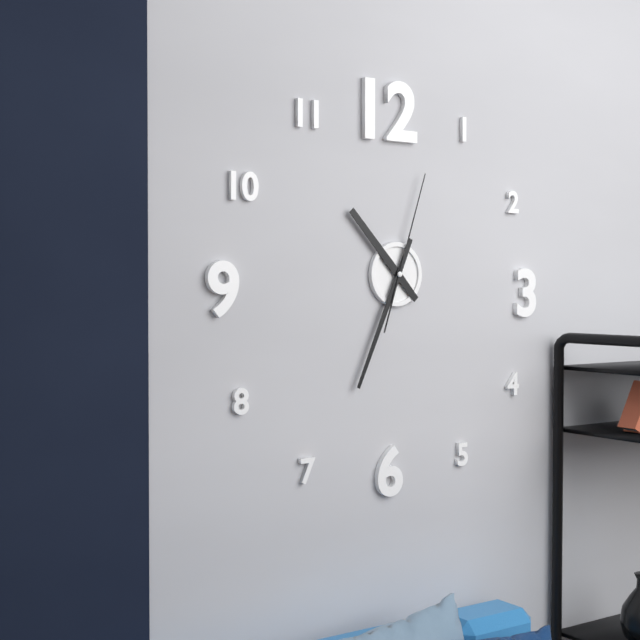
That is 10.34.03
